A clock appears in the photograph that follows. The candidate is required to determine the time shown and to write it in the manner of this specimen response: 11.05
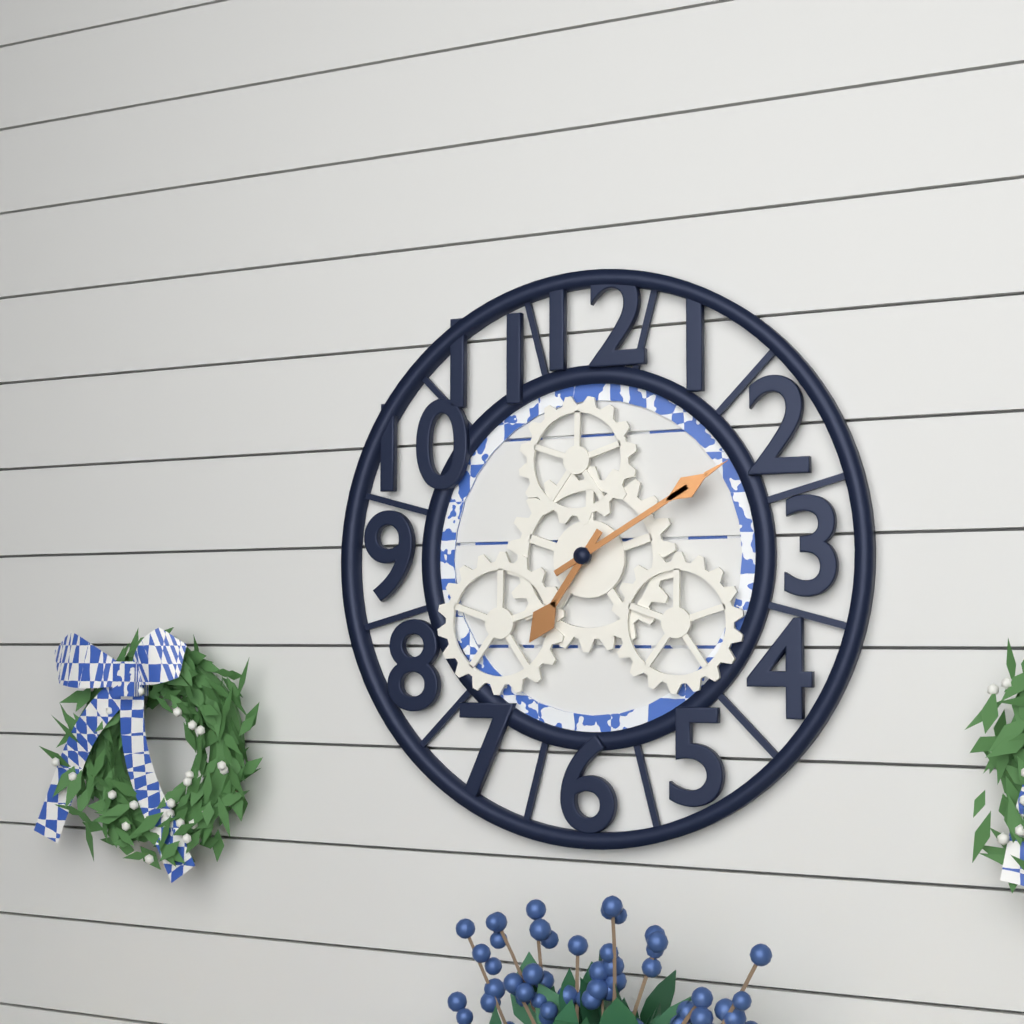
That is 7.10
